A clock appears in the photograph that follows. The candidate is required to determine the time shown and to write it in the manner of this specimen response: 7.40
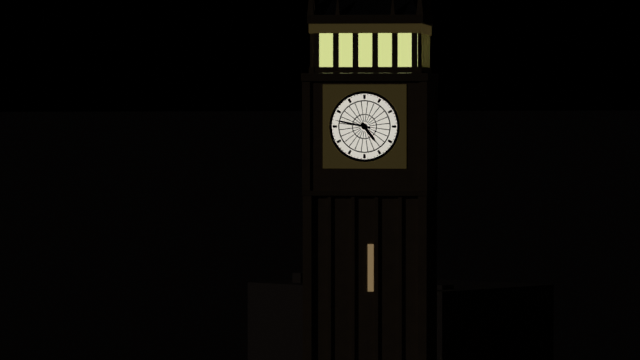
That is 4.47
